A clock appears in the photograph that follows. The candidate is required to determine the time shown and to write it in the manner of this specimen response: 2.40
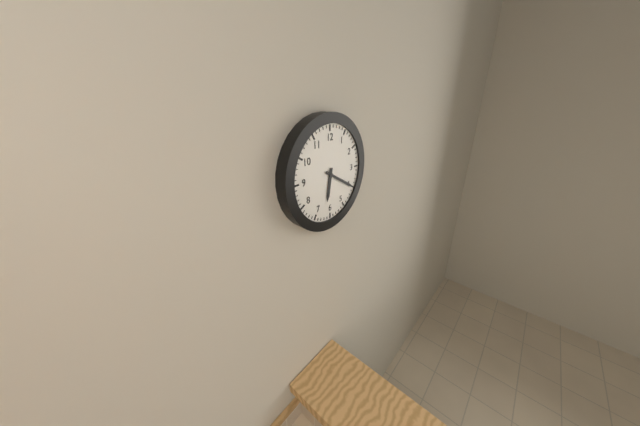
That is 6.20
